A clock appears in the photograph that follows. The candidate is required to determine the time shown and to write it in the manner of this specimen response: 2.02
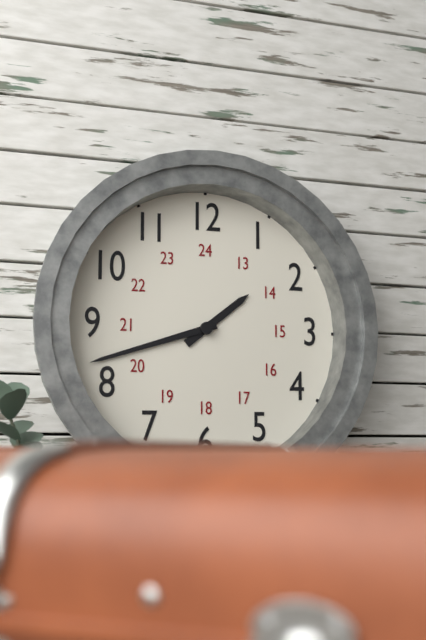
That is 1.42
